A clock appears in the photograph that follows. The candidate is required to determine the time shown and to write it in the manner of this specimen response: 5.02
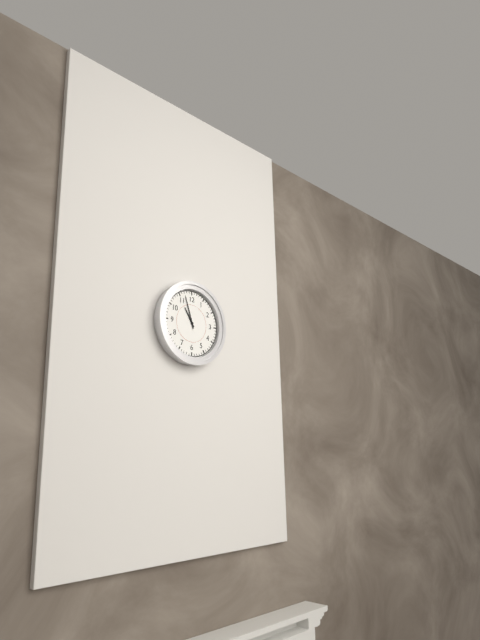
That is 10.57
